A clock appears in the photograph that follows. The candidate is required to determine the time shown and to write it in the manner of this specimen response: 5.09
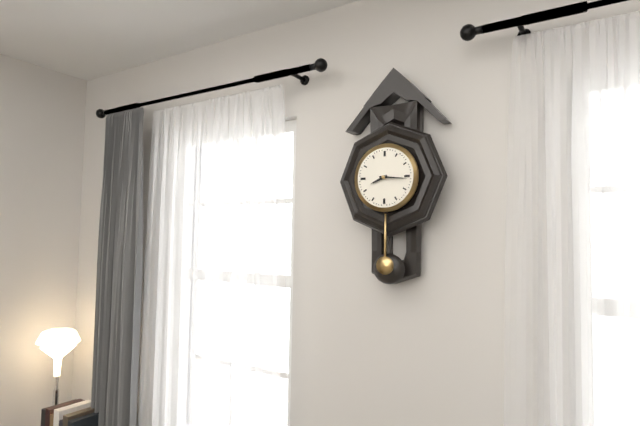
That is 8.16
